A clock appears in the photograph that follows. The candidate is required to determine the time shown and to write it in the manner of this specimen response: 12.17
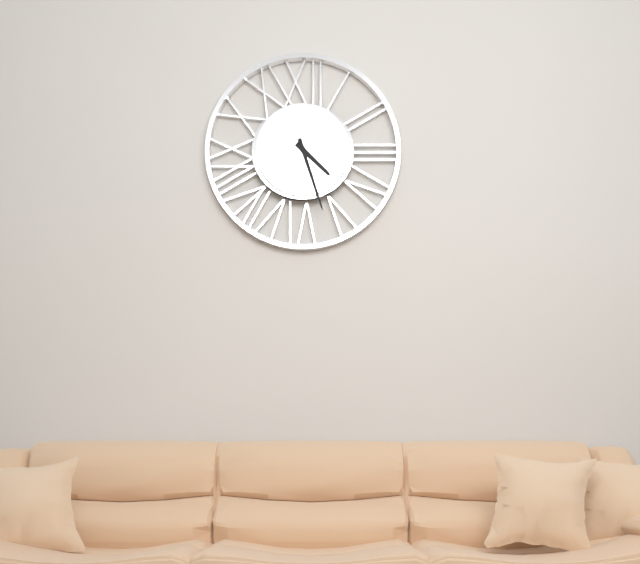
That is 4.27
